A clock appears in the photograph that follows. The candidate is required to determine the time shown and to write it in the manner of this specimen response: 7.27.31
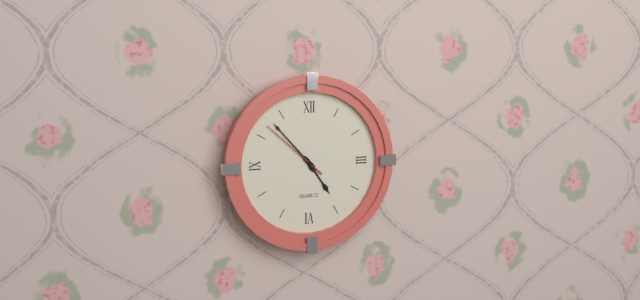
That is 4.53.52
